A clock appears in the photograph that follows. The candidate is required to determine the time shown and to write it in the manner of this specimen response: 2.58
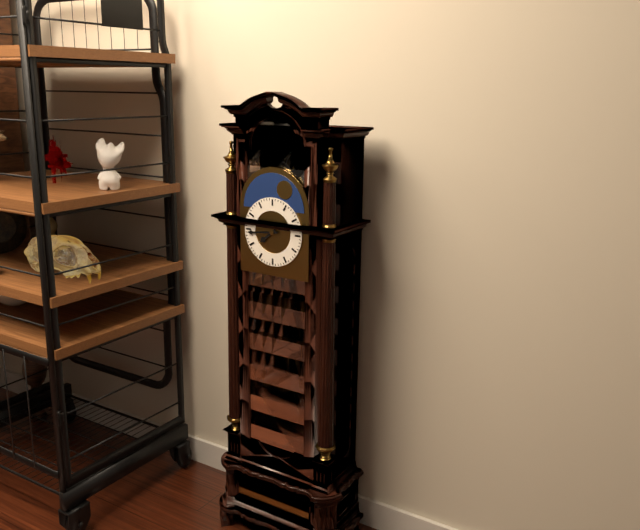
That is 7.44
